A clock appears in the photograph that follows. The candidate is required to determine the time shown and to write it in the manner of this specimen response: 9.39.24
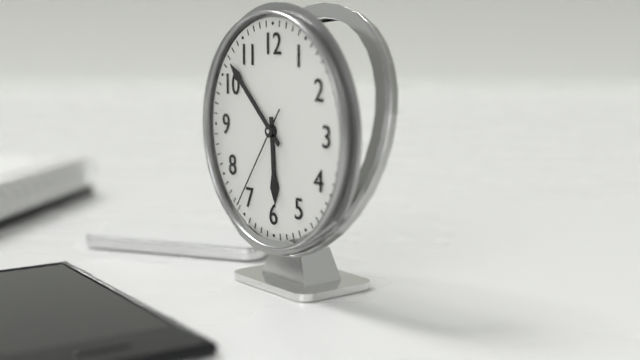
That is 5.52.36
